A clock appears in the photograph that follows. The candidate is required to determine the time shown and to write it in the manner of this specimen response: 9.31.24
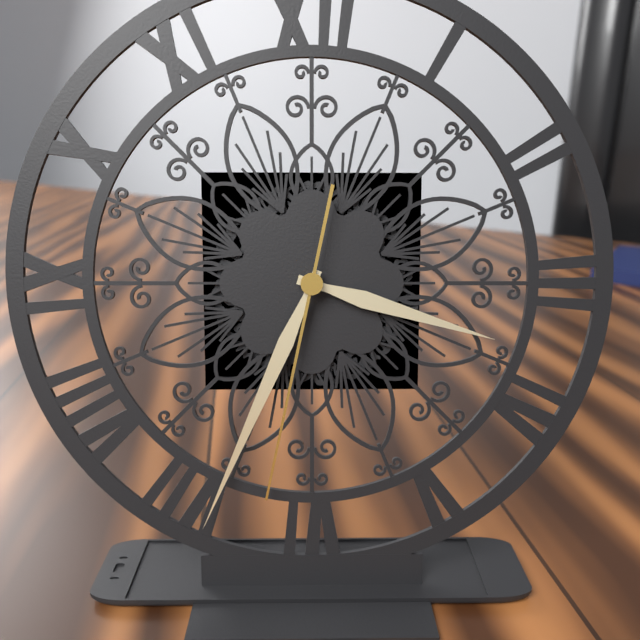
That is 3.34.32
